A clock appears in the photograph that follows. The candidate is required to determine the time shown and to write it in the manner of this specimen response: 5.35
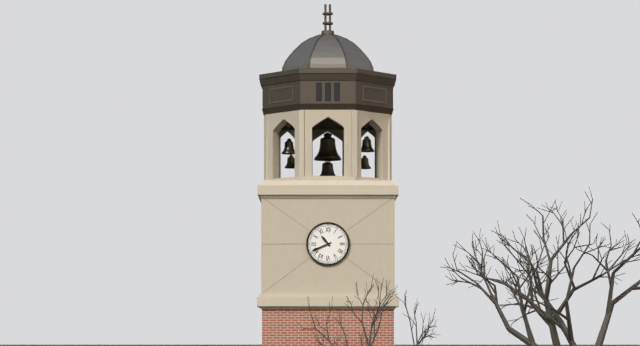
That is 10.41
